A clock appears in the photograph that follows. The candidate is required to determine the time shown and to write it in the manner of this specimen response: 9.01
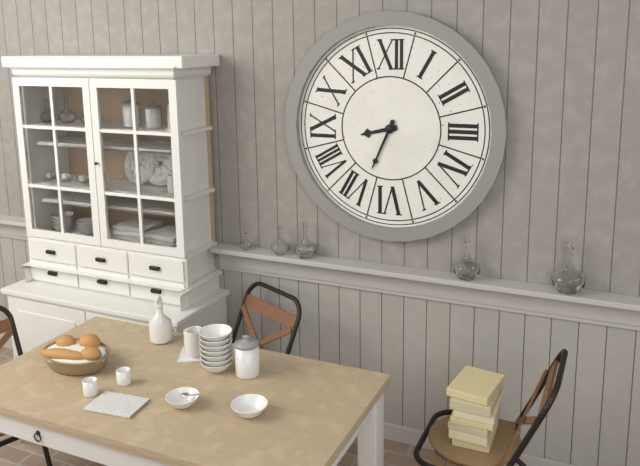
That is 8.34
